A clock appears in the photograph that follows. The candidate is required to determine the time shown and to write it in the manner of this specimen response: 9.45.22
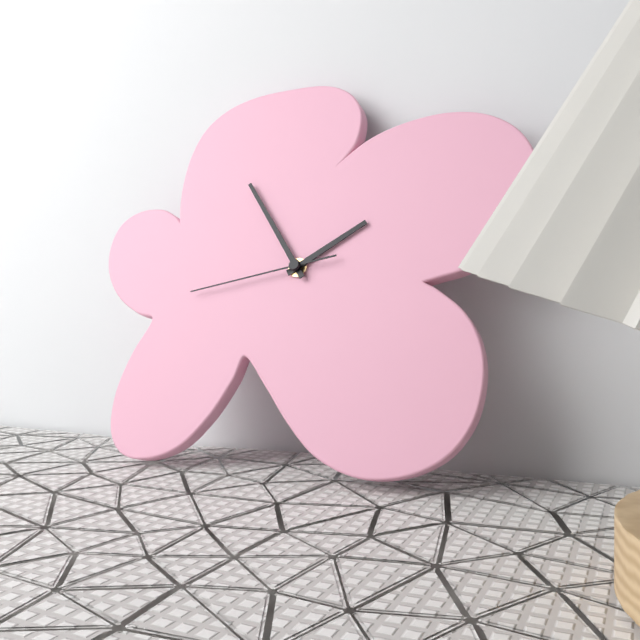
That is 1.54.43
